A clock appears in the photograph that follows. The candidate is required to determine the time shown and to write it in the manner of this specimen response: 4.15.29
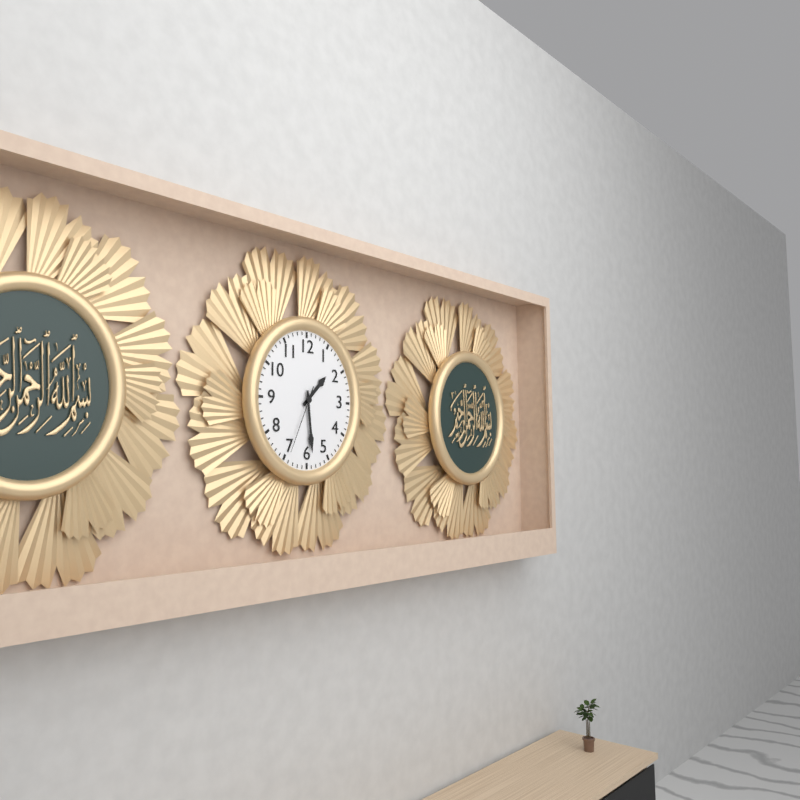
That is 1.29.34
